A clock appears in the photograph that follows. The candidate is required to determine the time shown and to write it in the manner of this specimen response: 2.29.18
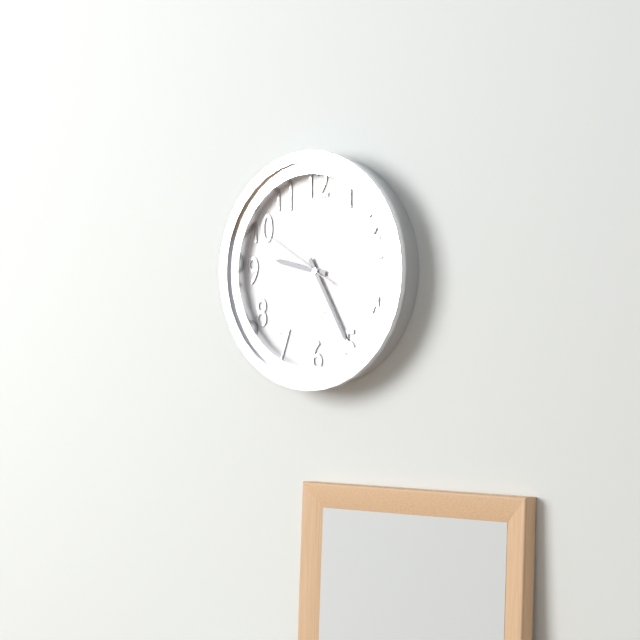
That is 9.25.50
